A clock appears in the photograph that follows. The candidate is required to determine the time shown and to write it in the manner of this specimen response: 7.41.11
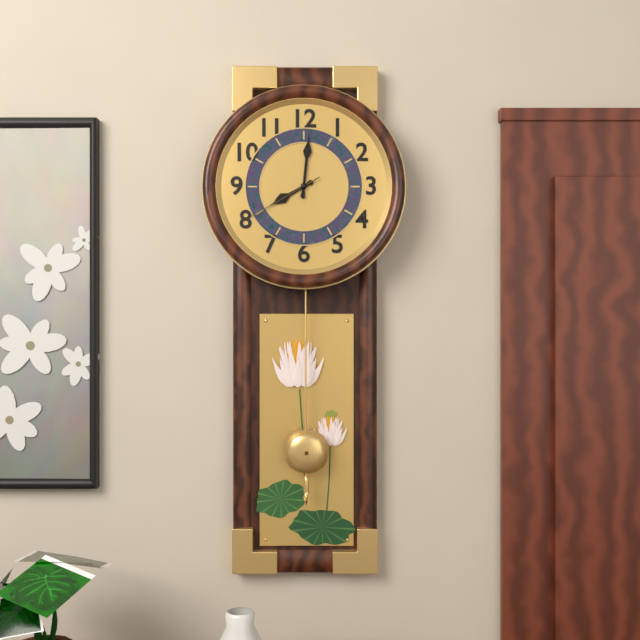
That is 8.01.40
